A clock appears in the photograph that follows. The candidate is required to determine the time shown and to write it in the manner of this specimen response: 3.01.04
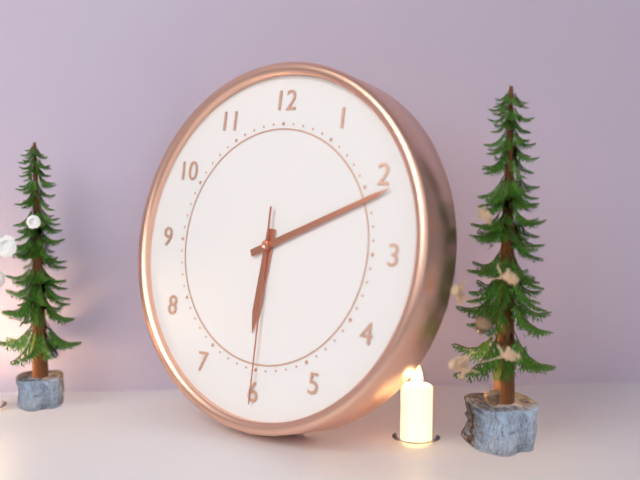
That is 6.11.30
